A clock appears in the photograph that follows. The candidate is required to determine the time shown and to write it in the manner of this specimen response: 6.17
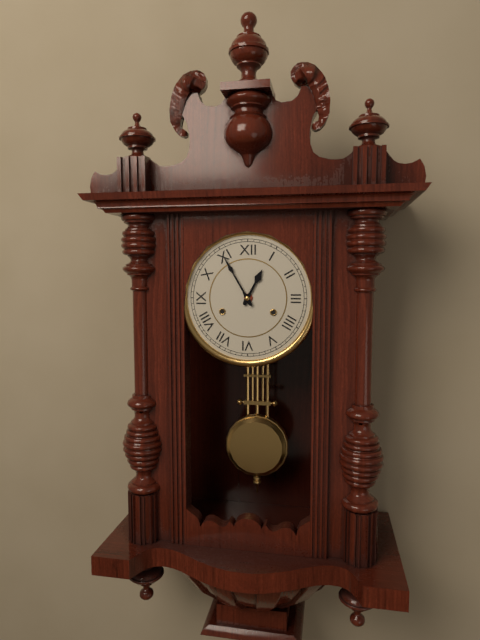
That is 12.55
